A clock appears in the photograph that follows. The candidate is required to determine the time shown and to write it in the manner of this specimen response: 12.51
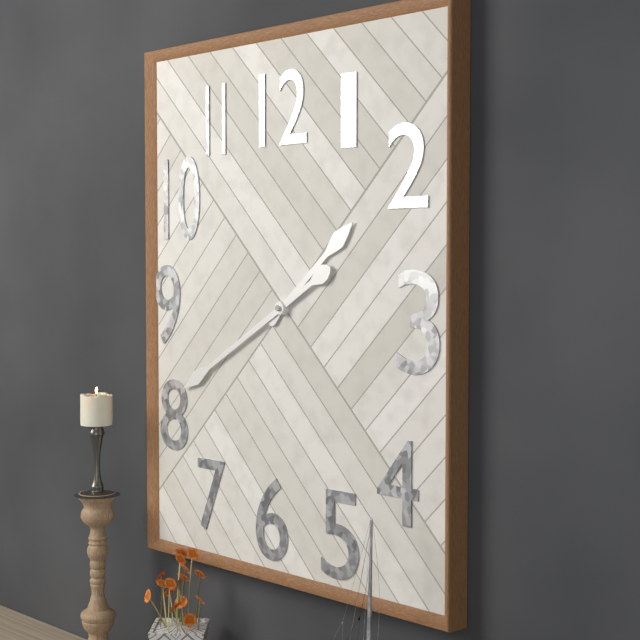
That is 1.40
